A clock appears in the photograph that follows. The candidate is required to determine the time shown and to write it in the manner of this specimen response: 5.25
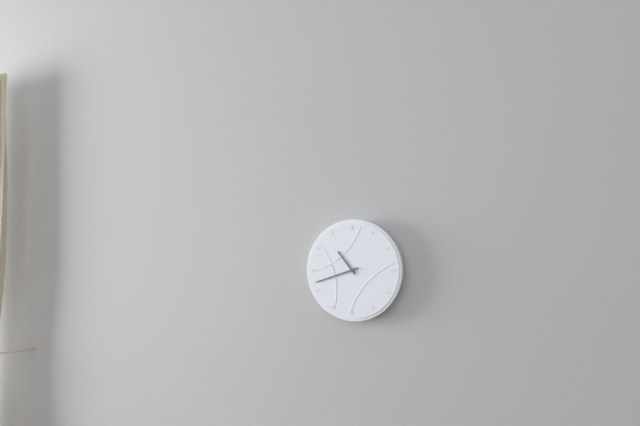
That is 10.42
